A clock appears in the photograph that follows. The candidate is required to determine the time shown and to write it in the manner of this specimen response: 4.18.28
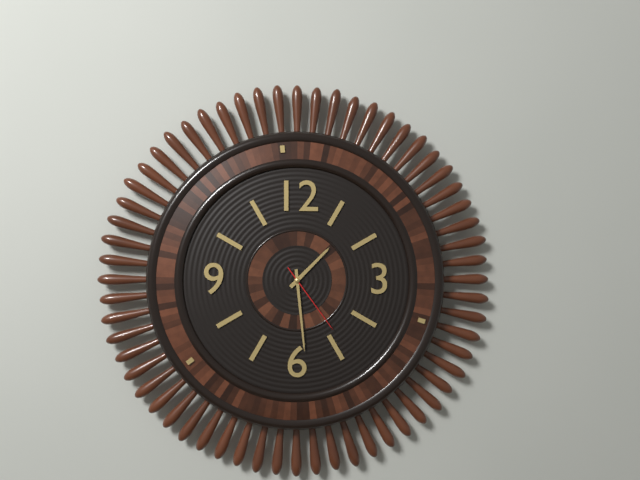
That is 1.29.24
